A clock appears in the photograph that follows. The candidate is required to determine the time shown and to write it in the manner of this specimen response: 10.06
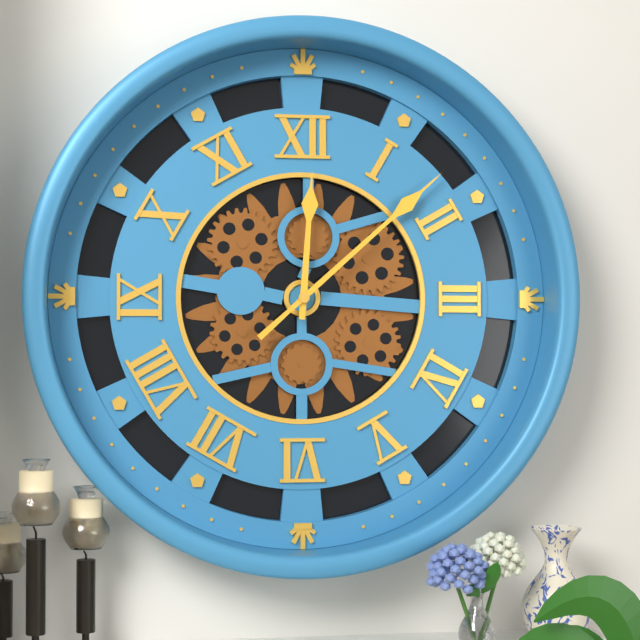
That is 12.08
